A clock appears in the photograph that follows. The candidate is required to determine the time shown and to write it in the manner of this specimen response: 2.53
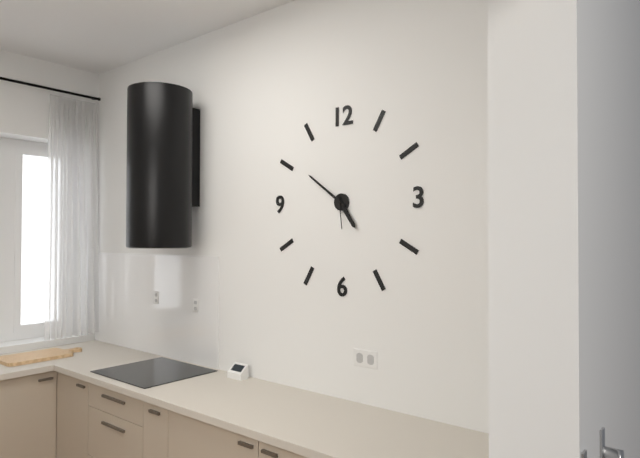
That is 4.51
